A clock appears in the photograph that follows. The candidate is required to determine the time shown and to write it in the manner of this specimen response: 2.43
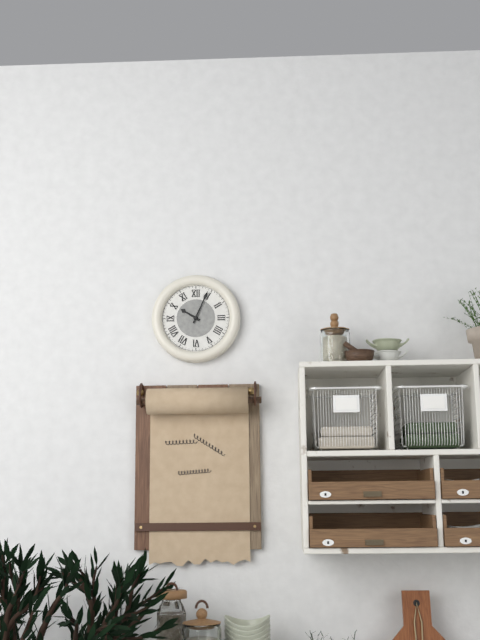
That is 10.04
